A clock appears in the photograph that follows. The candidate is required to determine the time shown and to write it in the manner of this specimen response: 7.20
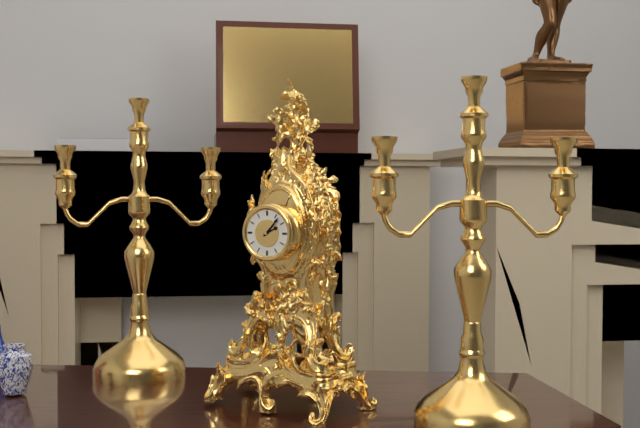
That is 2.07
